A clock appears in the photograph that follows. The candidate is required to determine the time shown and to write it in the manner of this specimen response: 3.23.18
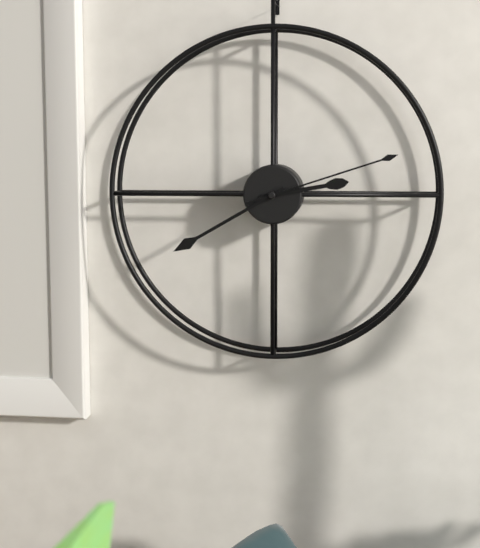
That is 2.40.12
